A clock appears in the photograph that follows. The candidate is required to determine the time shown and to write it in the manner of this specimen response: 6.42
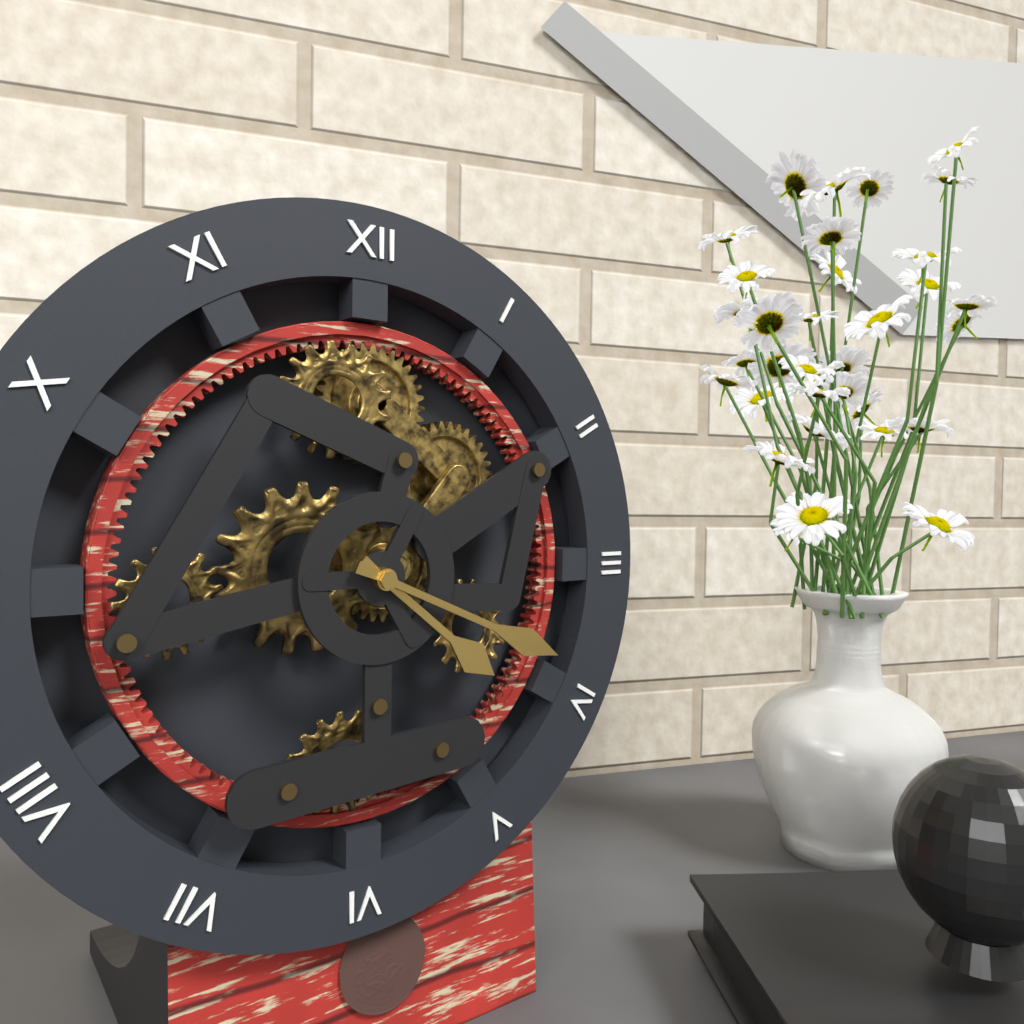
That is 4.19
